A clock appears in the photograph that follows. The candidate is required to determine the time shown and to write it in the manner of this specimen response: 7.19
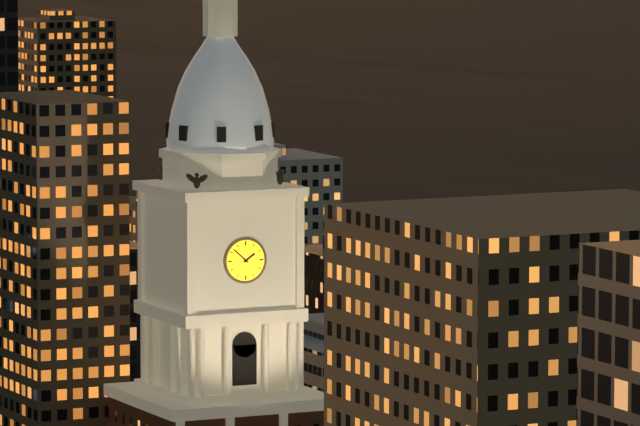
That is 1.52
